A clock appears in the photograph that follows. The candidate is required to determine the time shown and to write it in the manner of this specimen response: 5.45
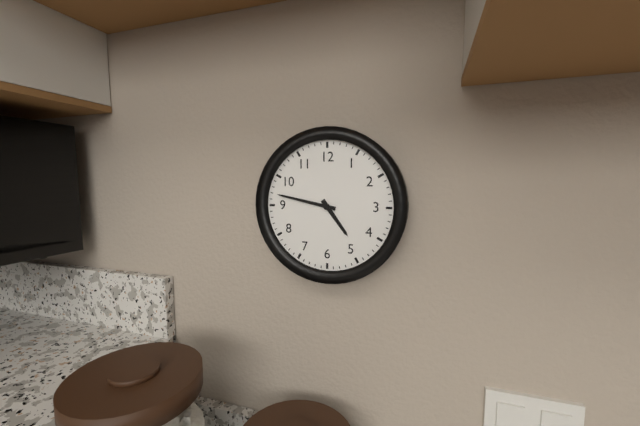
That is 4.47
